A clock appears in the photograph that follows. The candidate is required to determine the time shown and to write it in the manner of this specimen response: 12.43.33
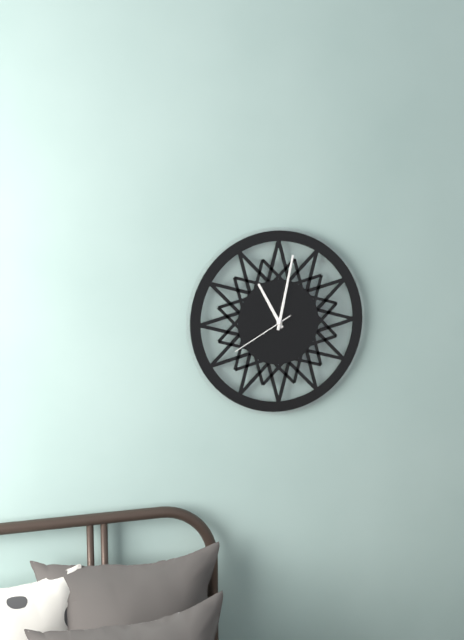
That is 11.02.40
